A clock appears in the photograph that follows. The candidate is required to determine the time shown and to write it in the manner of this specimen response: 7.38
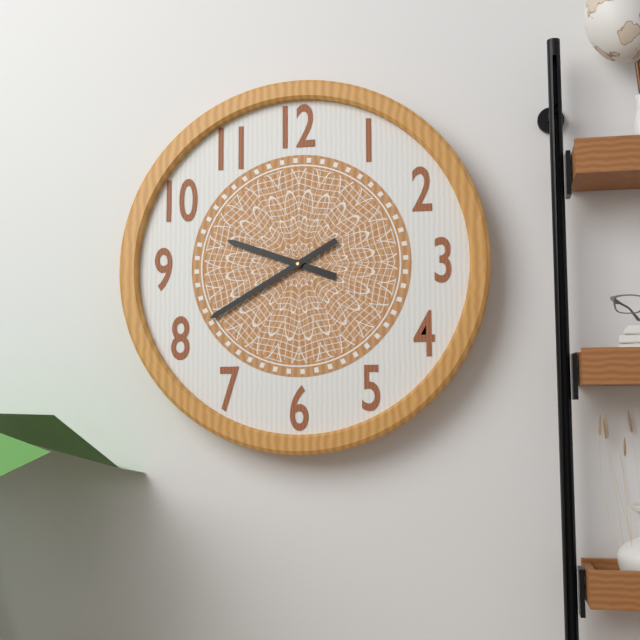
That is 9.40
